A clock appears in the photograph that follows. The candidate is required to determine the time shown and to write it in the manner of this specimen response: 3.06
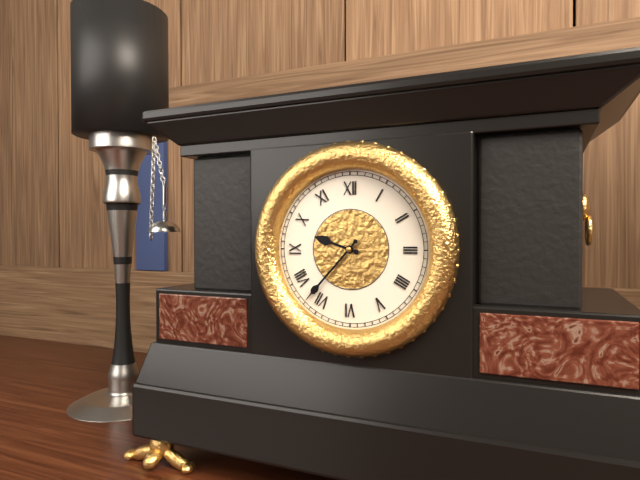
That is 9.37
